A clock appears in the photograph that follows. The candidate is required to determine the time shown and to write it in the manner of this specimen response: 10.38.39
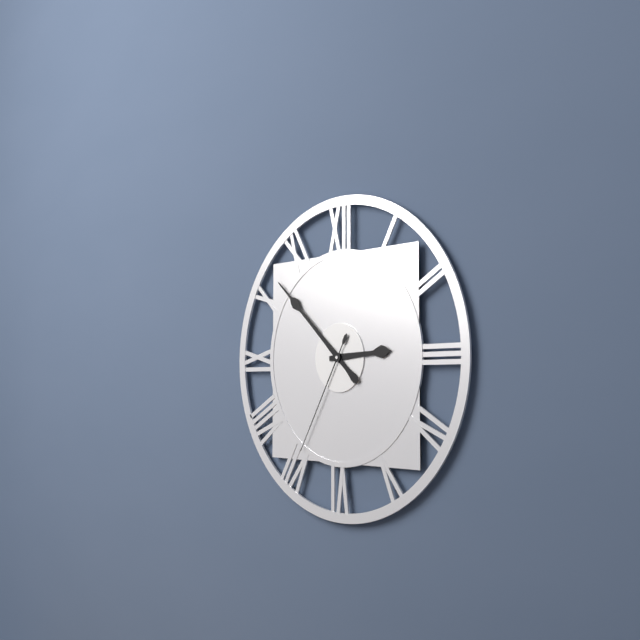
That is 2.52.35
